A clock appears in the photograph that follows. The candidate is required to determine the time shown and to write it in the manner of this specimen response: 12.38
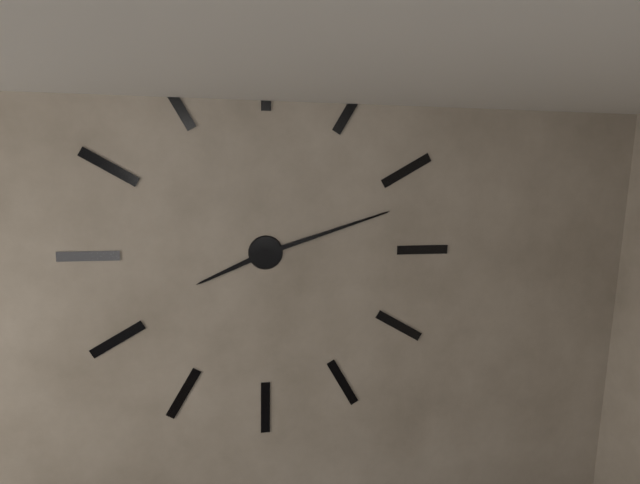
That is 8.12
